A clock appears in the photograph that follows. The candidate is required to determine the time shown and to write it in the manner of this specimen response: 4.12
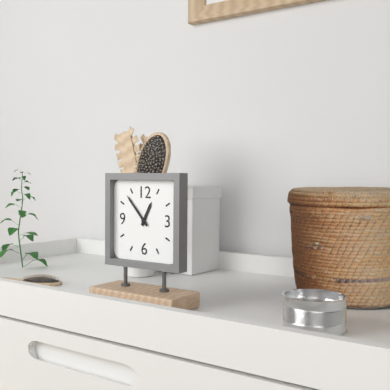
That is 12.53
